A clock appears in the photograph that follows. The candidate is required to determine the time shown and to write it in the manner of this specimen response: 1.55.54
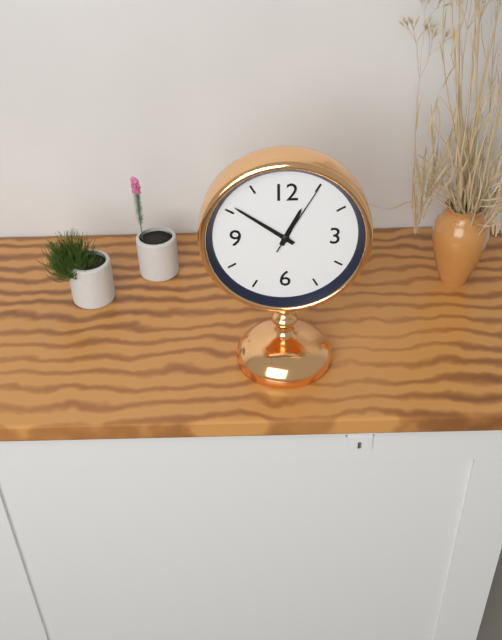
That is 12.51.05
